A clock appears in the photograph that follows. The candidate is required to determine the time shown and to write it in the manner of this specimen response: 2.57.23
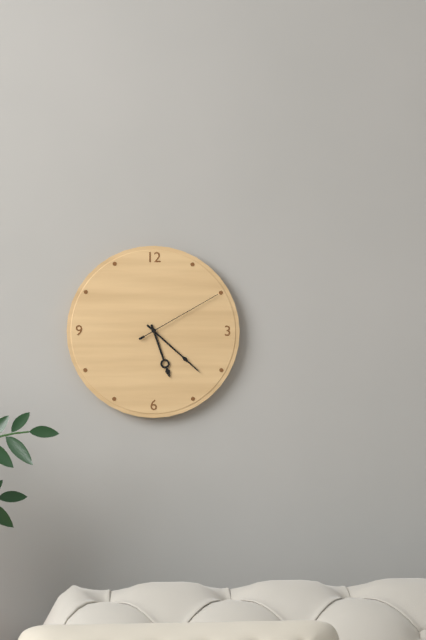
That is 5.22.10
